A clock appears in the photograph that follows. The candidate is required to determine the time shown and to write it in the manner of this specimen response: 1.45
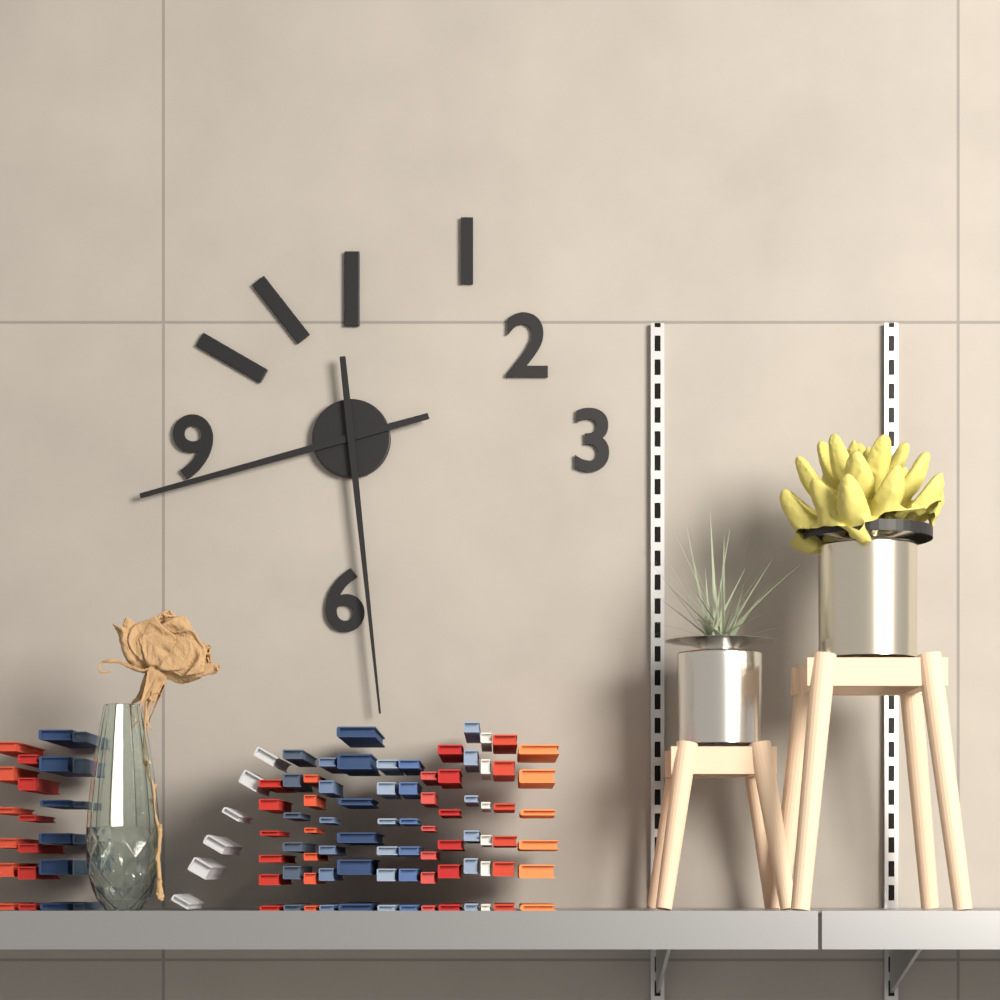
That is 8.29
